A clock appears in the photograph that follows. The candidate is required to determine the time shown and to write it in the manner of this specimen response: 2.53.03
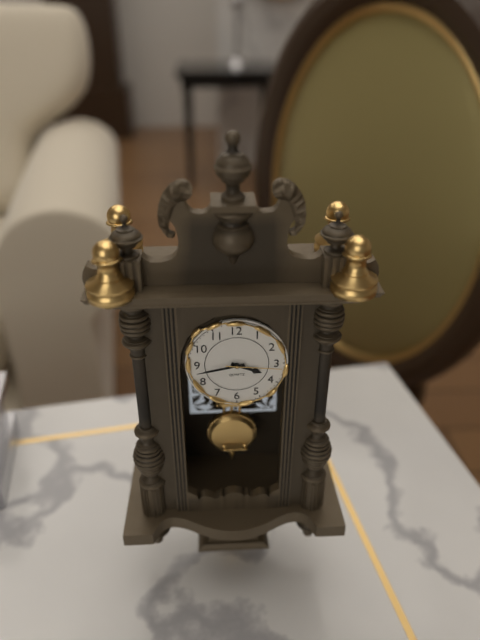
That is 3.43.16
